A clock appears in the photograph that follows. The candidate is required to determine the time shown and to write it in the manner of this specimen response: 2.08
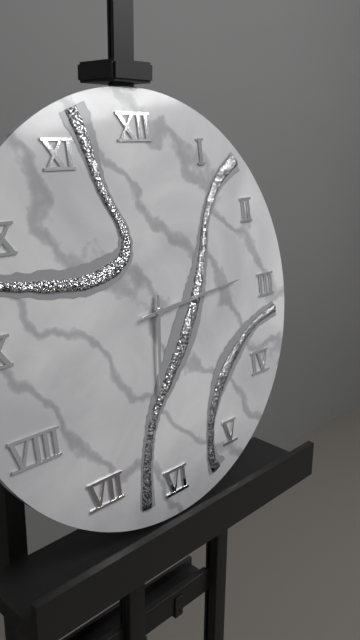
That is 6.14
